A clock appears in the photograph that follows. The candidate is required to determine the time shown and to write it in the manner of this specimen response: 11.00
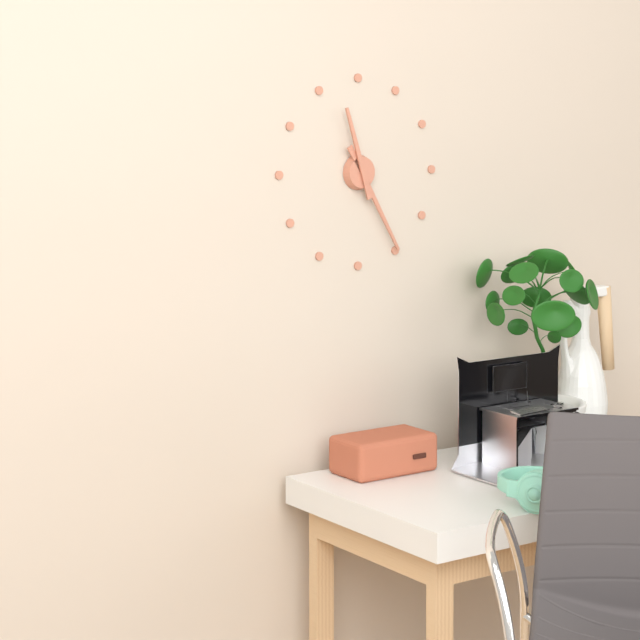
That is 11.25
